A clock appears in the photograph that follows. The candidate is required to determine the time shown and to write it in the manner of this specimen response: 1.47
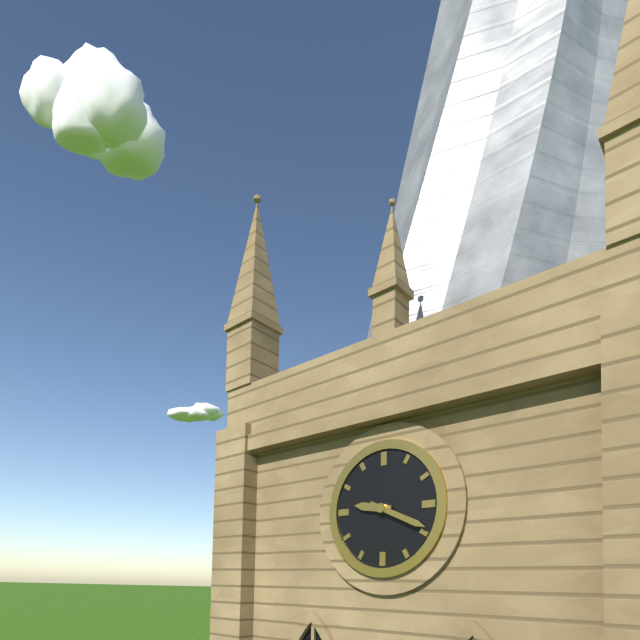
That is 9.19
